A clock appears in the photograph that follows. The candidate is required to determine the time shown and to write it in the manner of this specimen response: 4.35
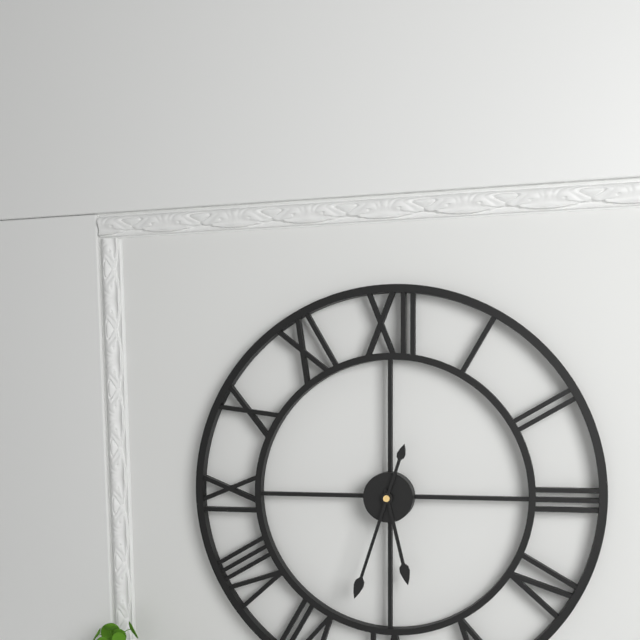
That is 5.33
